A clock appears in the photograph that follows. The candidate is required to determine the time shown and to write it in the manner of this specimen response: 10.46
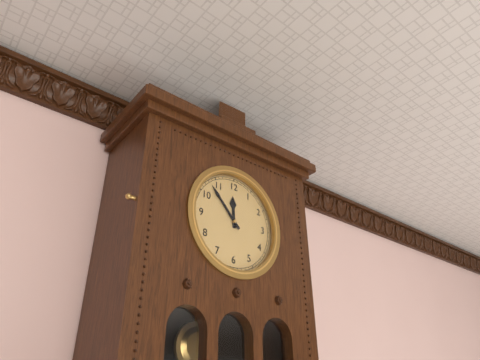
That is 11.53
